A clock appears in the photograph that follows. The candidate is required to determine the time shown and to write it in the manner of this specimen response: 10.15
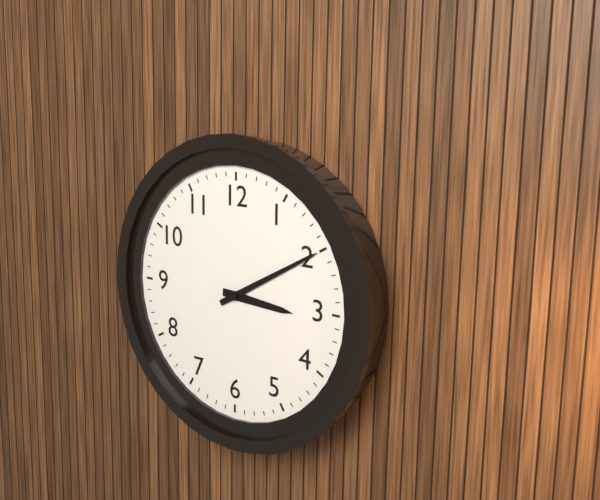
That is 3.10
